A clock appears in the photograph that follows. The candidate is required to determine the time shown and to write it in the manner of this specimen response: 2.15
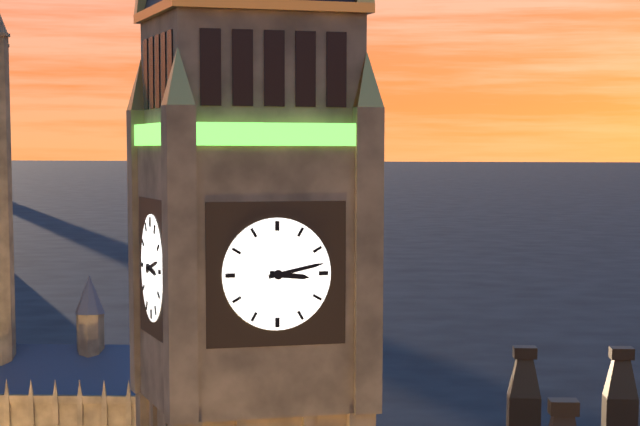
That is 3.13
